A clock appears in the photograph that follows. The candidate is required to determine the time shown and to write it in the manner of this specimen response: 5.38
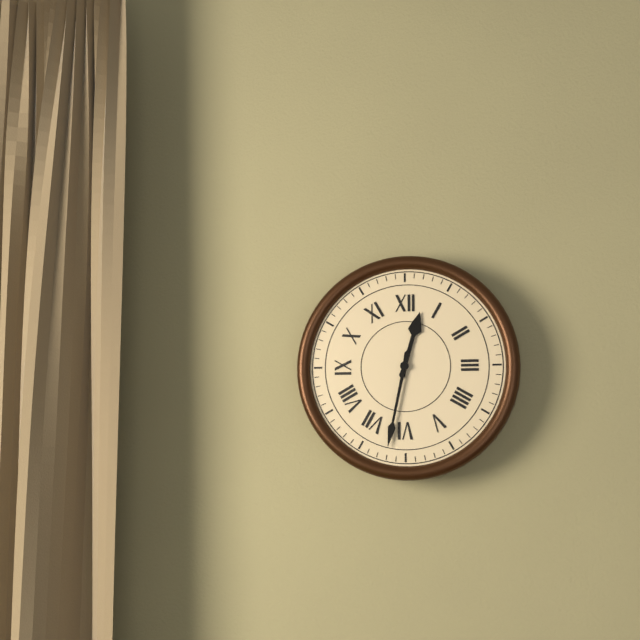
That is 12.32
